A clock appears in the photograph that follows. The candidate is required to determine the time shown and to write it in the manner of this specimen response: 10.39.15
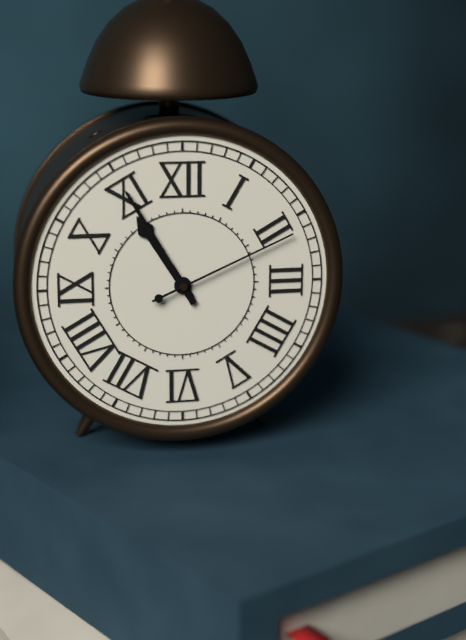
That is 10.55.11
